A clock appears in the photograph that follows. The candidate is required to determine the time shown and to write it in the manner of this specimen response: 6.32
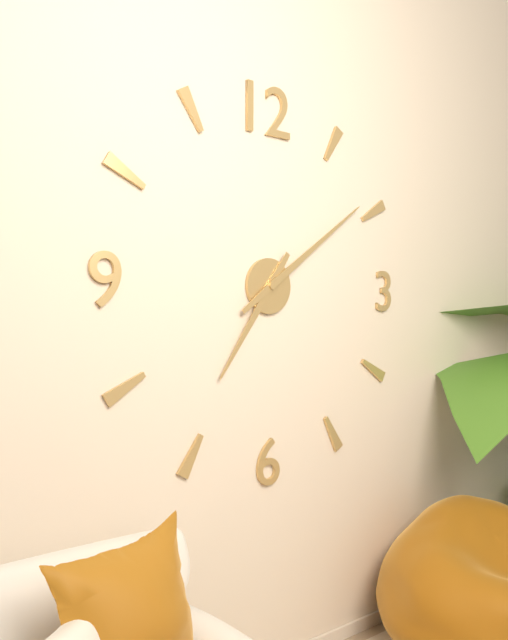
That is 7.09
